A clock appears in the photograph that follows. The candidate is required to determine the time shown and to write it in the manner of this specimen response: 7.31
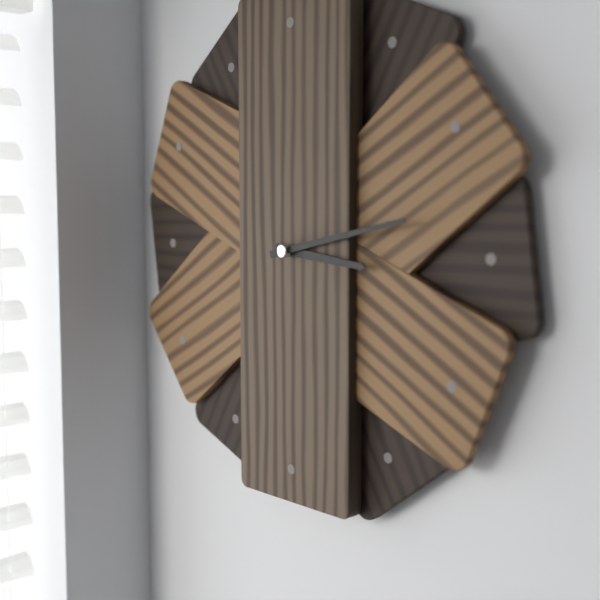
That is 3.13
